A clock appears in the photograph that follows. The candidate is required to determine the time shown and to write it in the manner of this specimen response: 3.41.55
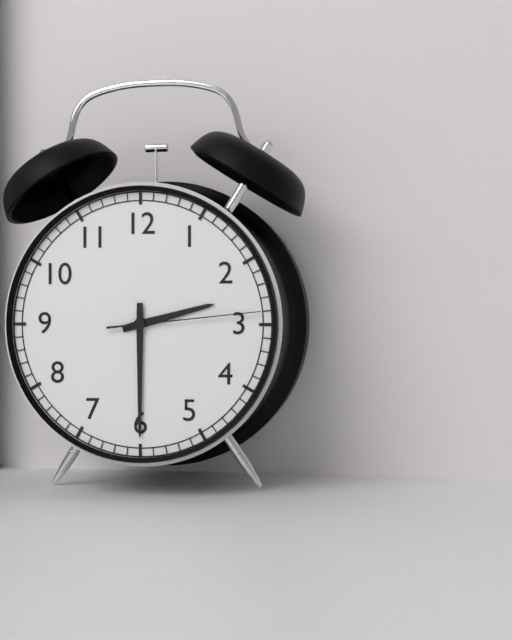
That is 2.30.14
